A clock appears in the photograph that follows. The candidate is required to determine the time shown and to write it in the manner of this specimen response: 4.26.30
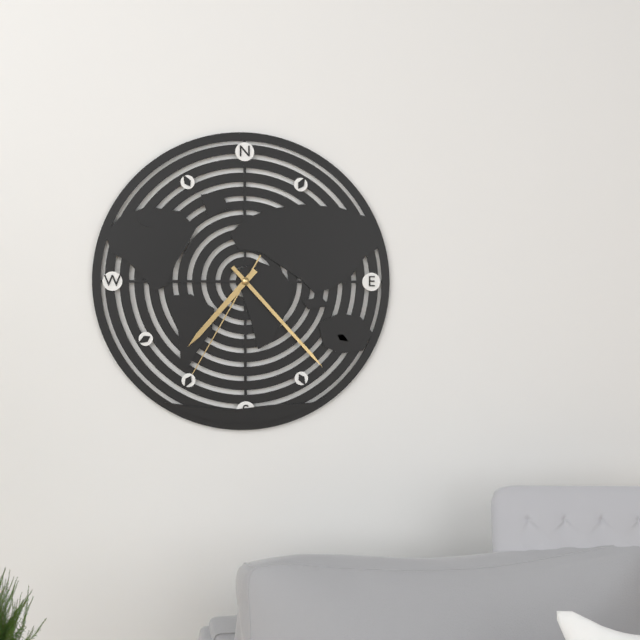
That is 7.23.35
